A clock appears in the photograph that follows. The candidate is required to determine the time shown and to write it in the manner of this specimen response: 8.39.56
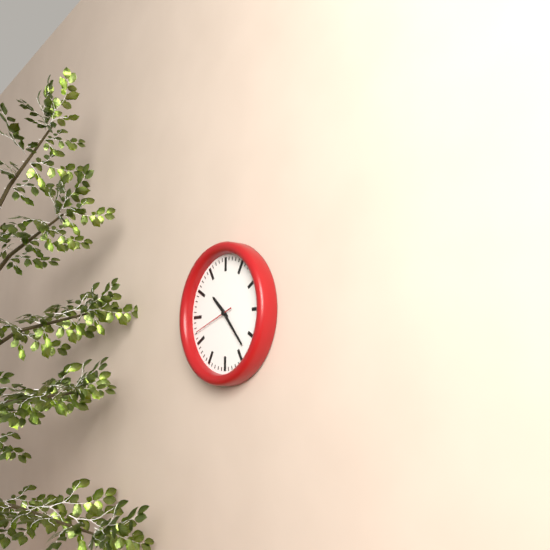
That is 10.23.42
